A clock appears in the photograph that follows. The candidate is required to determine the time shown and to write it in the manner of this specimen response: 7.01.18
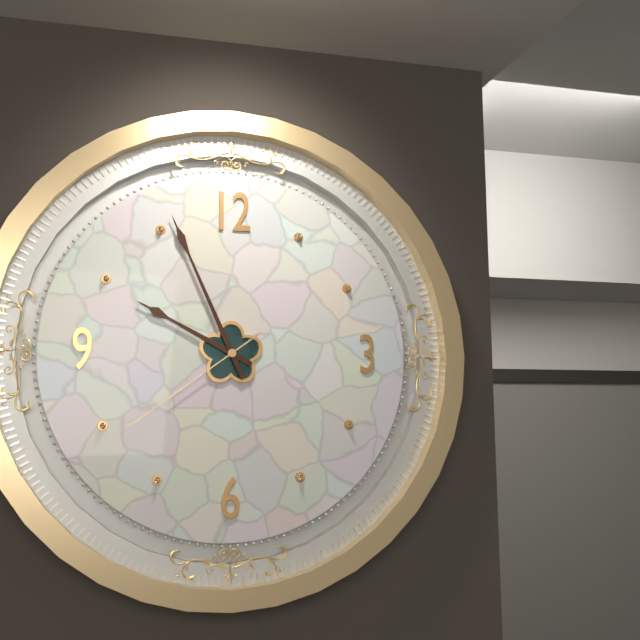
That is 9.56.39
